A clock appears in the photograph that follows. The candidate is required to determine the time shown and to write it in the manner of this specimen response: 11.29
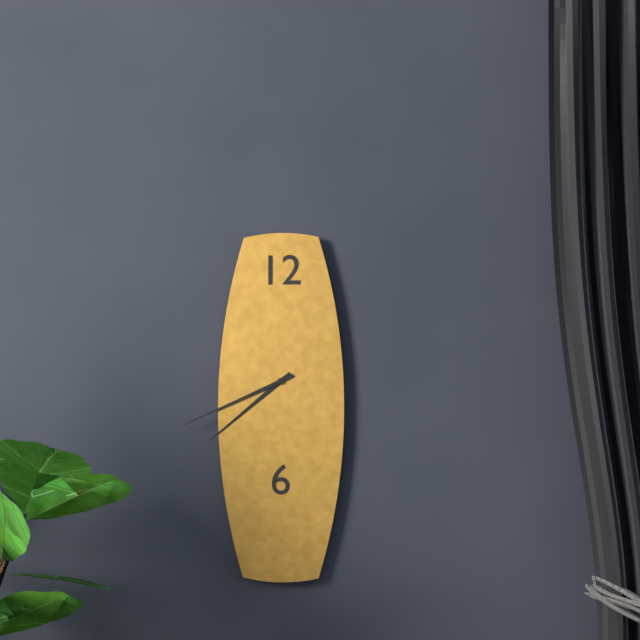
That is 7.41
